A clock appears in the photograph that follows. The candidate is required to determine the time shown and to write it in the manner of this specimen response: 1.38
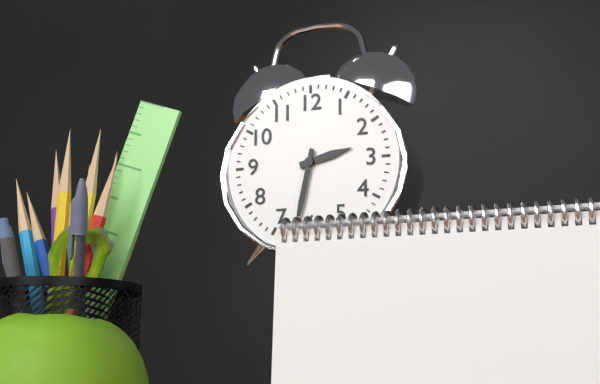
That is 2.32
